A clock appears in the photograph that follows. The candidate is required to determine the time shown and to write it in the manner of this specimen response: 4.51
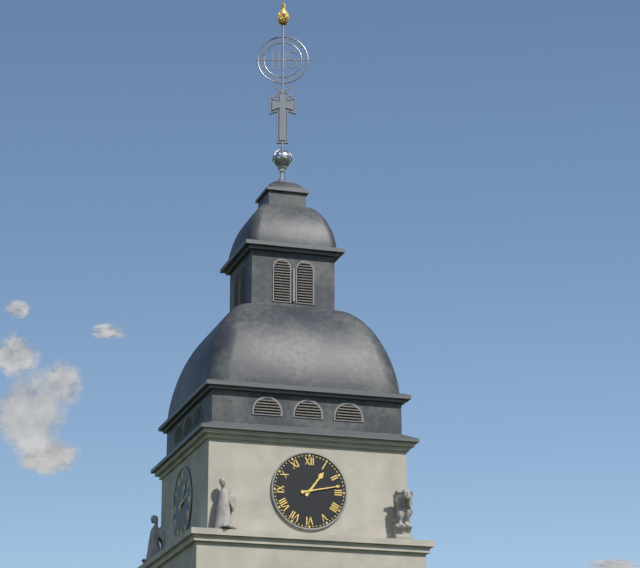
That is 1.13
